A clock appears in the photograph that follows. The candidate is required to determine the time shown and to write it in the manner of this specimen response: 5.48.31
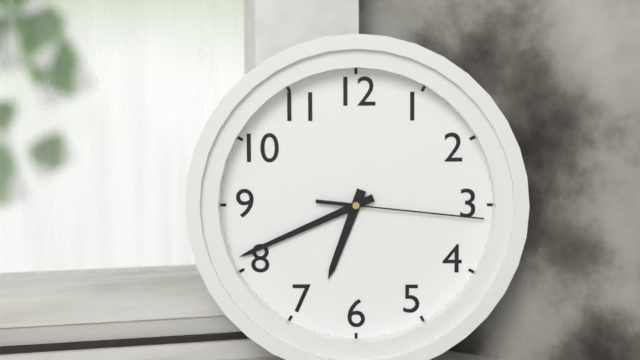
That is 6.41.16
